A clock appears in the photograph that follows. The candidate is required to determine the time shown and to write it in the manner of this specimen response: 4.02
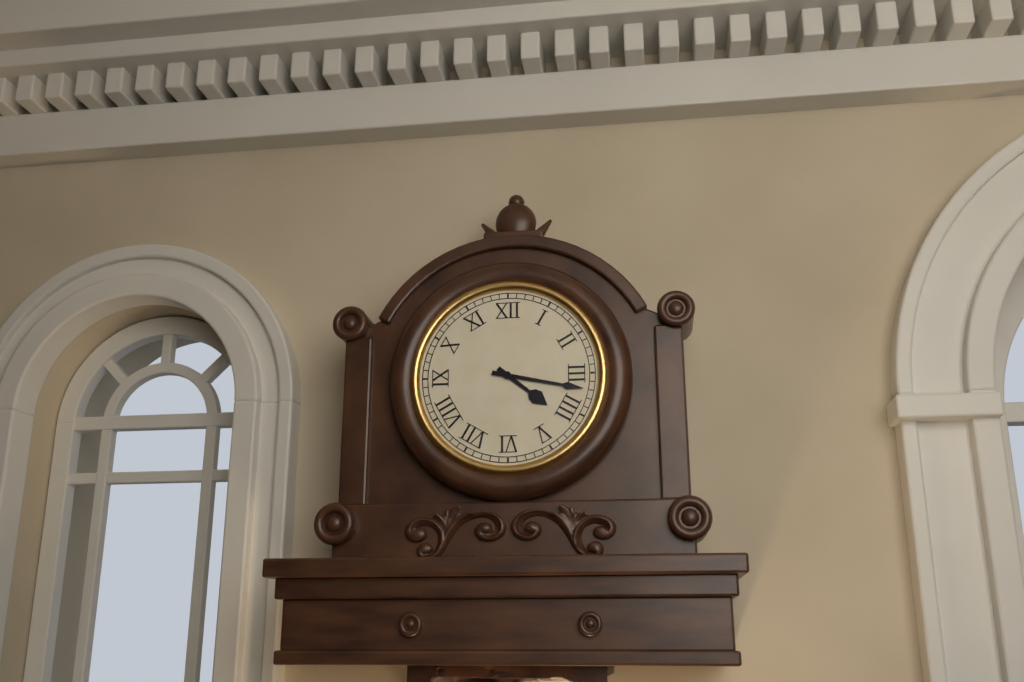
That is 4.17
